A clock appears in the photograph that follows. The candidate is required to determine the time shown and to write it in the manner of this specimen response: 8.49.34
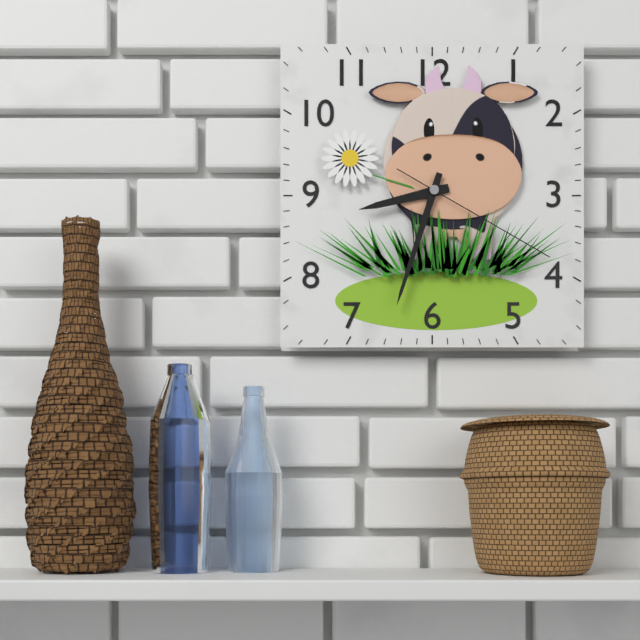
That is 8.33.20
